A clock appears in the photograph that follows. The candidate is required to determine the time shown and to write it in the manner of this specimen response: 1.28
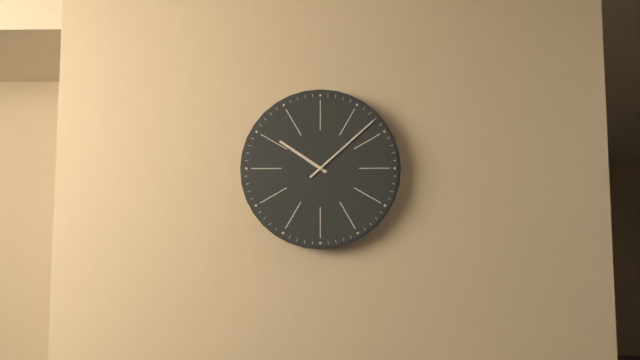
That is 10.08
